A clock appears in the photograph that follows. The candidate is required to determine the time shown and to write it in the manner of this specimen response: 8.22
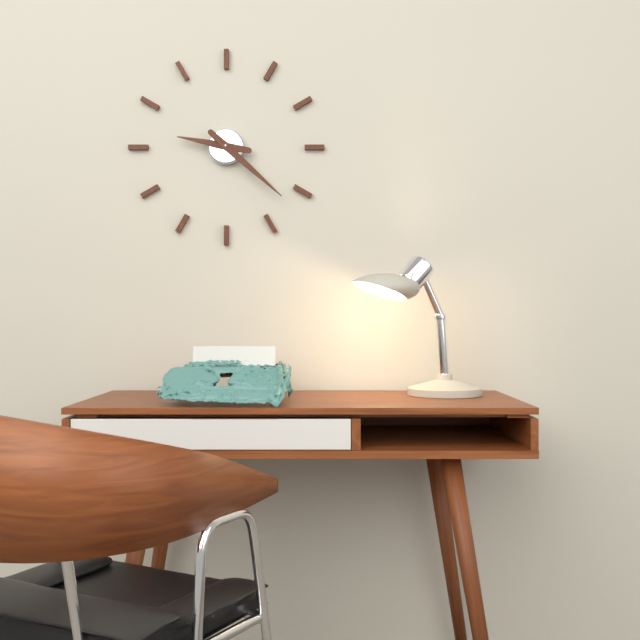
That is 9.22
